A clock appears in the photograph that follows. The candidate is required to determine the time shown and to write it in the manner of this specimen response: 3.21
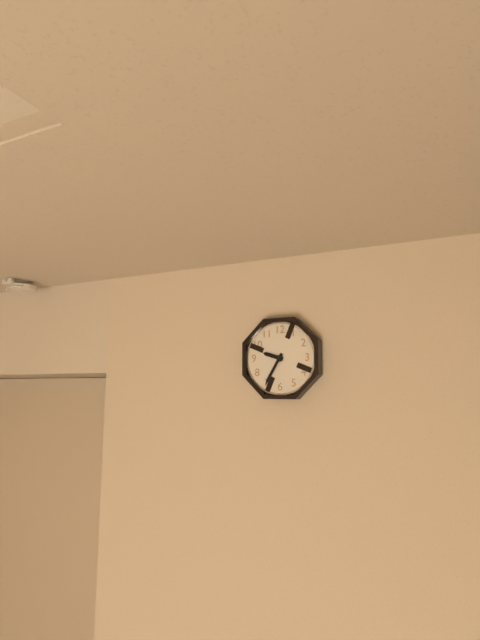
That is 9.35
